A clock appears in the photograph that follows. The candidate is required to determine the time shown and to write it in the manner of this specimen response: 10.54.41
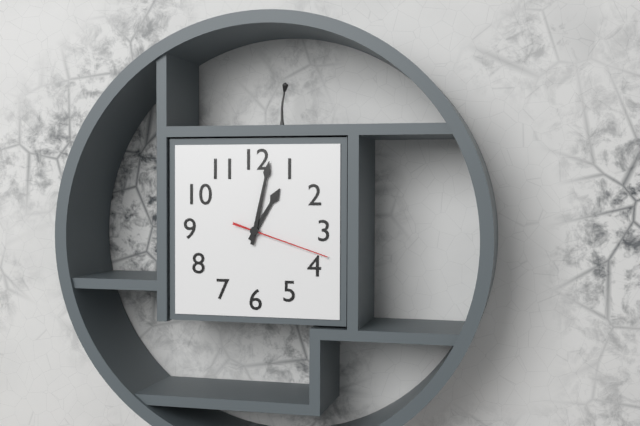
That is 1.02.18
